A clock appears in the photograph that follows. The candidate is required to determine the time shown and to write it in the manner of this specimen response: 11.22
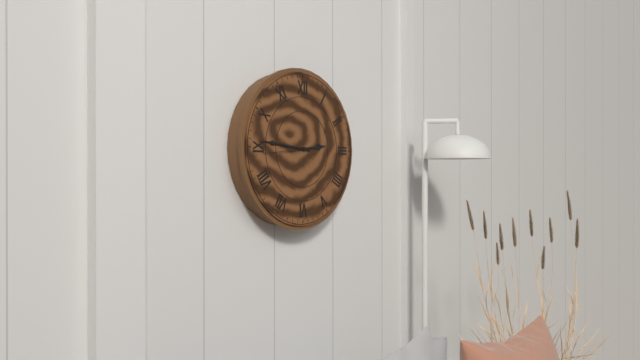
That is 2.46
